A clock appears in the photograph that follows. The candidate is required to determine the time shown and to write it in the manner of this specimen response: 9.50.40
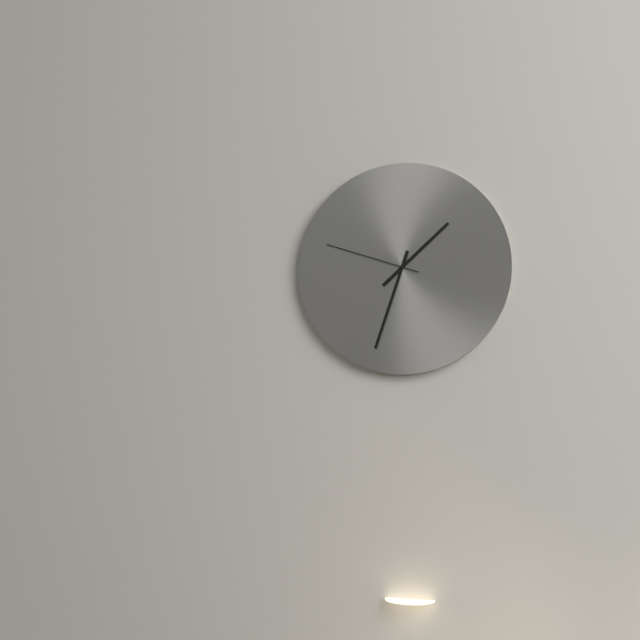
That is 1.33.48
